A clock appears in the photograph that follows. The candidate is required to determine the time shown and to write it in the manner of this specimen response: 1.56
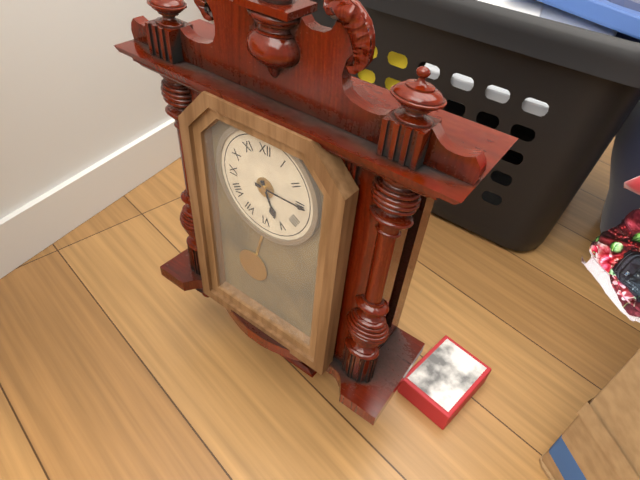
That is 5.15
